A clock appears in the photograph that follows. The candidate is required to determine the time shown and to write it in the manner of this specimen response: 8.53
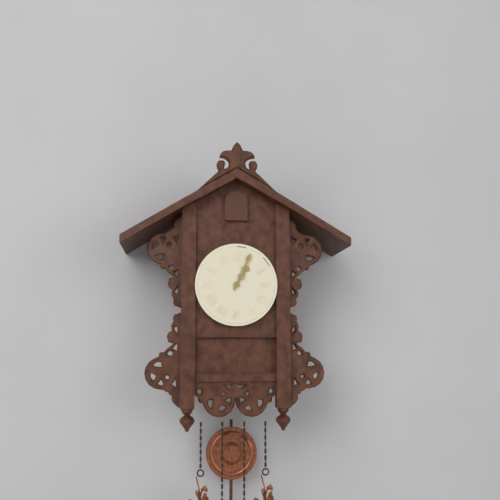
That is 1.04
